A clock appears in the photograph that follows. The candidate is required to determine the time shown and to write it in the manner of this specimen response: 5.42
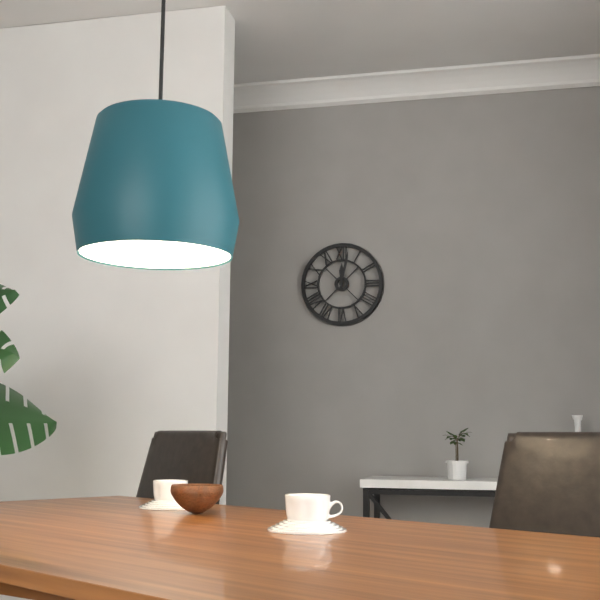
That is 12.02
